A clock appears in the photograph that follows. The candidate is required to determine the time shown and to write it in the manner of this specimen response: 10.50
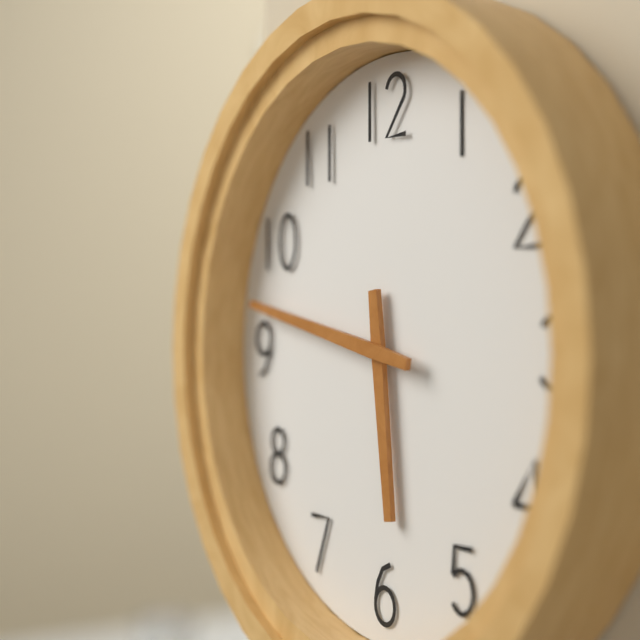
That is 5.47
